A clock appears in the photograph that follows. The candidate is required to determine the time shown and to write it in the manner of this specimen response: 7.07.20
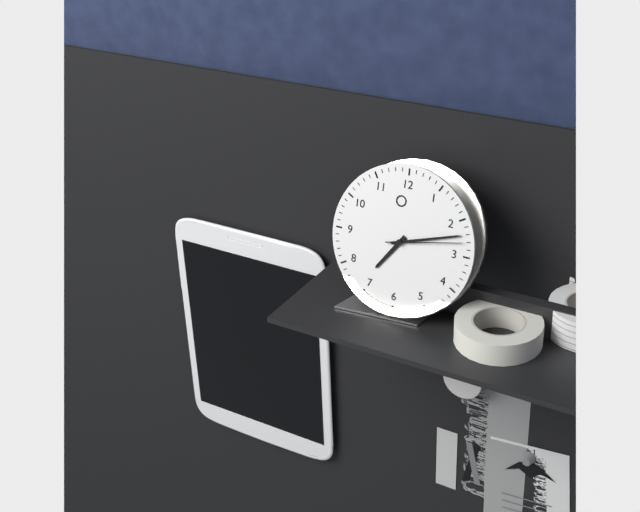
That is 7.12.13
